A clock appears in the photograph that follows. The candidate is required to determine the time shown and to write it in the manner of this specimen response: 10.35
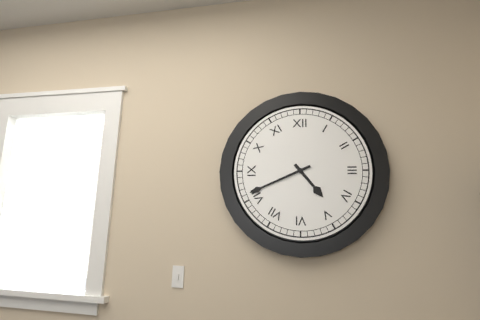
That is 4.41
